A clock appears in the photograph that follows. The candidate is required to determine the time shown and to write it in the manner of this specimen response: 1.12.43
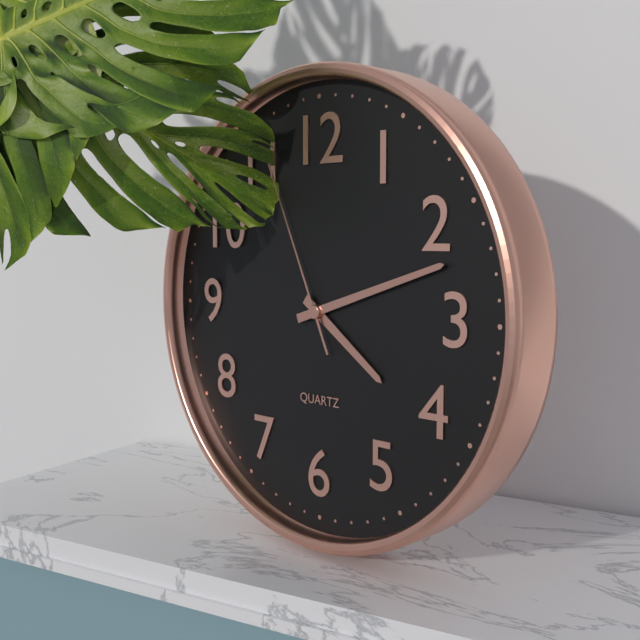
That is 4.12.56
